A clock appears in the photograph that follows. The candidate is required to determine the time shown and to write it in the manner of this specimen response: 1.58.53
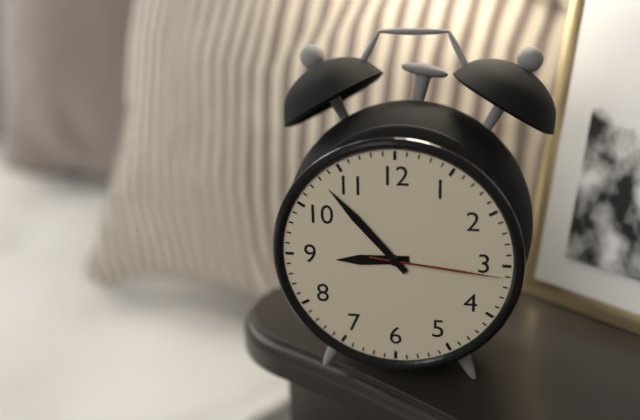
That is 8.53.16
